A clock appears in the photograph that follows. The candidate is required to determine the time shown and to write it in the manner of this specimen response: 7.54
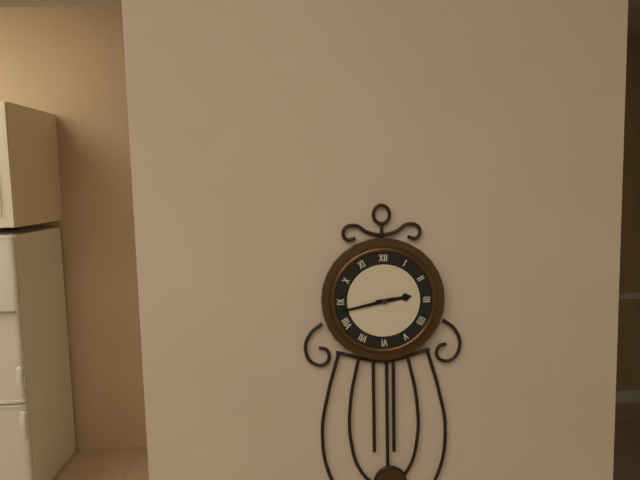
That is 2.43
